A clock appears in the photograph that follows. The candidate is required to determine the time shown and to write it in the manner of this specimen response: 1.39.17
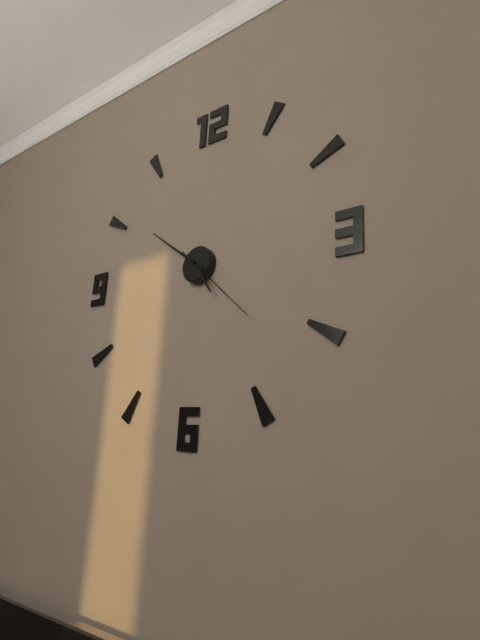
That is 4.51.22
